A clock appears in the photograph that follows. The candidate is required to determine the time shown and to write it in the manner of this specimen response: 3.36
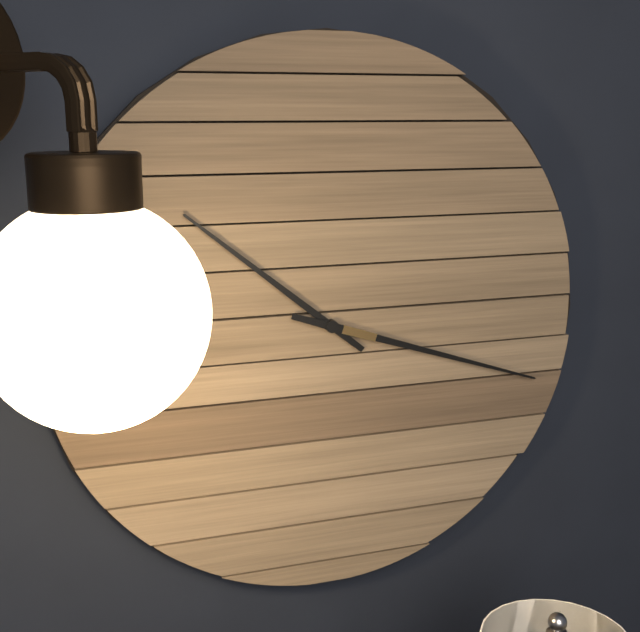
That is 10.18
